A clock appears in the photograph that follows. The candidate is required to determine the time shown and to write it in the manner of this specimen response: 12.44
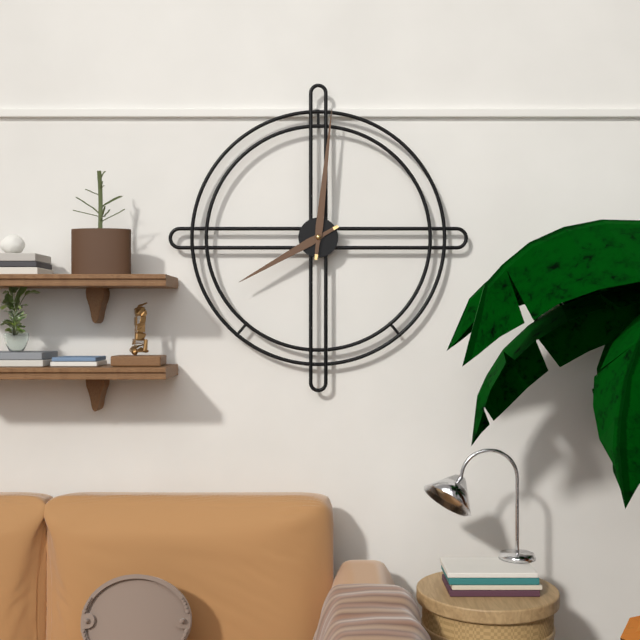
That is 8.01
